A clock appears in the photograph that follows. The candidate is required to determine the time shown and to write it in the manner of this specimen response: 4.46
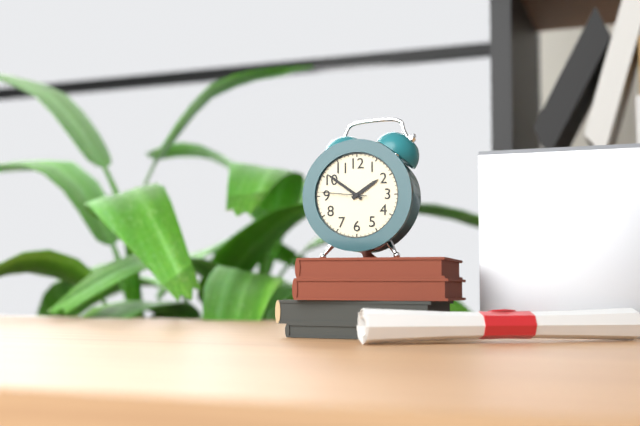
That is 1.51
